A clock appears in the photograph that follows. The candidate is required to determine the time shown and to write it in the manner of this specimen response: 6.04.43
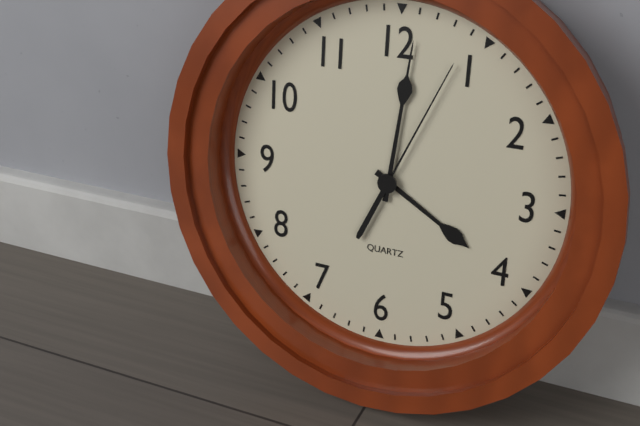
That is 4.01.04
